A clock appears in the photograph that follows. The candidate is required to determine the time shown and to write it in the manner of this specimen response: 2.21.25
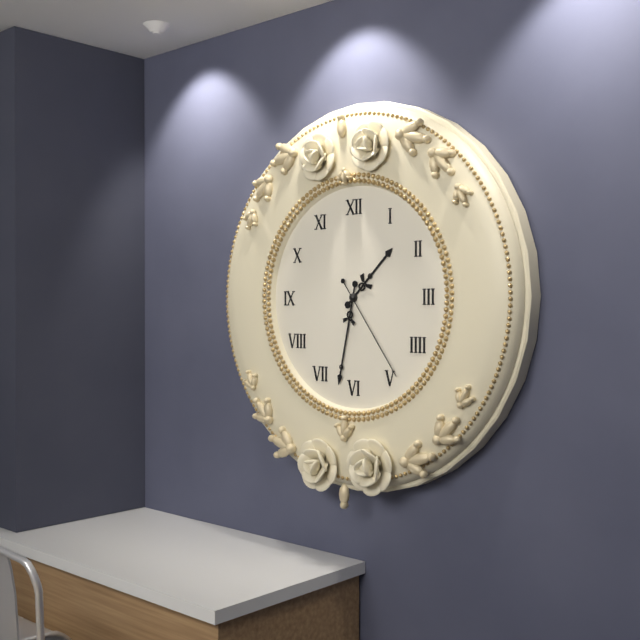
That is 1.32.24
